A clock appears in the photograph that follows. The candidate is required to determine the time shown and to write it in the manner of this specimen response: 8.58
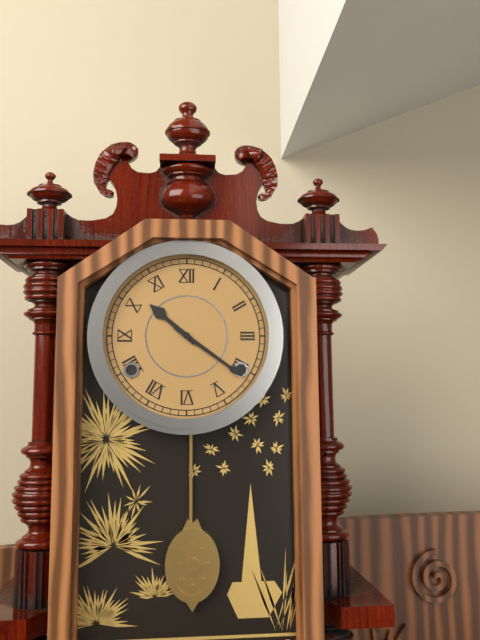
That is 10.21
